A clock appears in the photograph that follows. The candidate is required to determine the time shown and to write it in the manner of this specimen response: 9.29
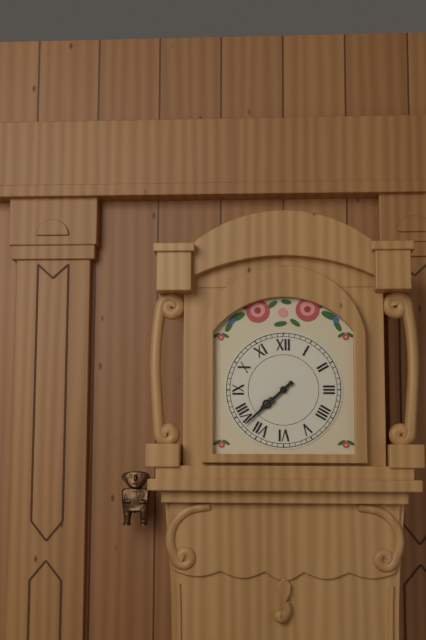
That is 7.38
